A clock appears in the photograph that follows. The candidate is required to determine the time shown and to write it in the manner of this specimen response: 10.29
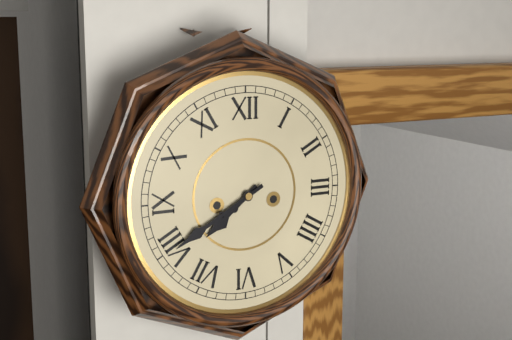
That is 7.40
